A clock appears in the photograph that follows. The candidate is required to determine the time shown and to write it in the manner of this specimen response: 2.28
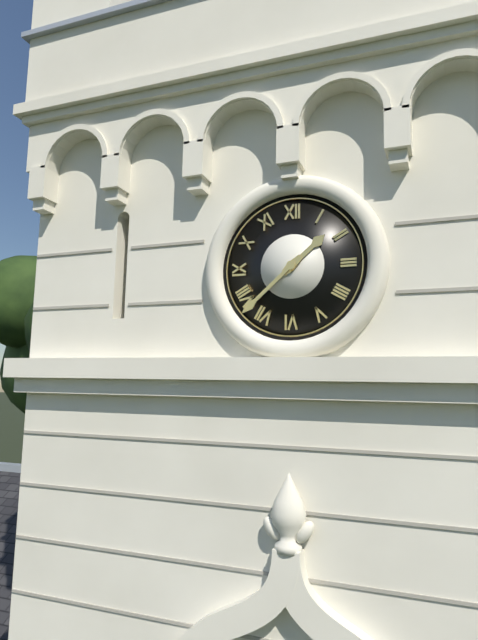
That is 1.38
